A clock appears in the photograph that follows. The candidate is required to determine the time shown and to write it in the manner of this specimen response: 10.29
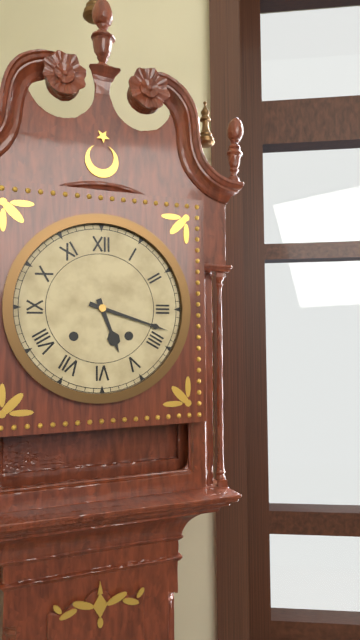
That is 5.18
